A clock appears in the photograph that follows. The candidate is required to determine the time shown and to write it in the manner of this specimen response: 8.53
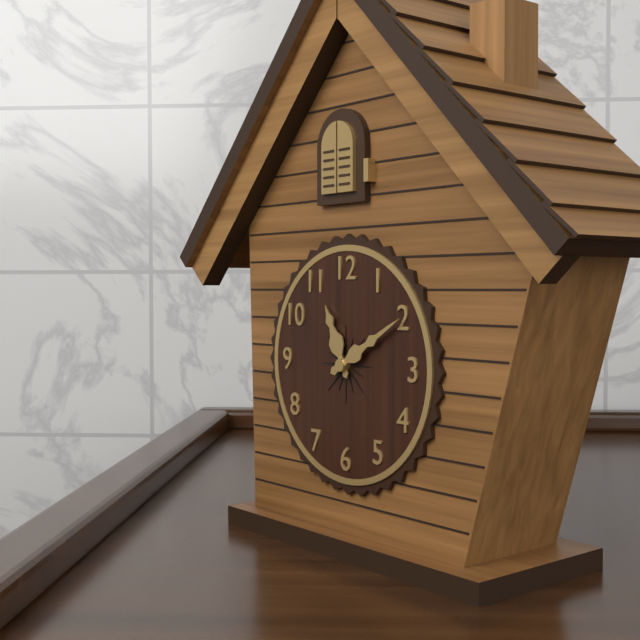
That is 11.10
